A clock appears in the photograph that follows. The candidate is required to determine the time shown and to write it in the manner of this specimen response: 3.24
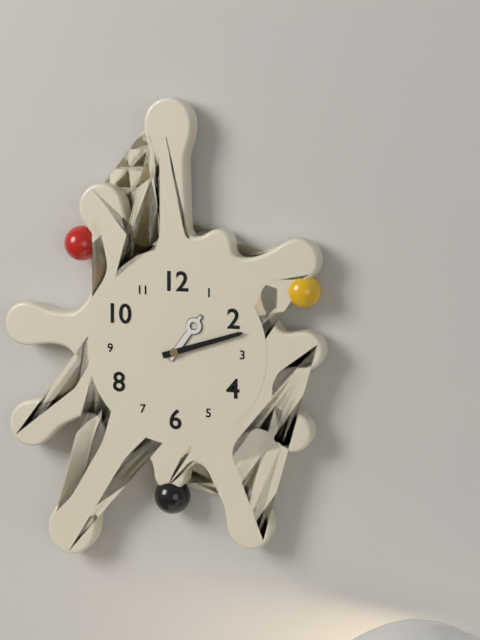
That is 1.12
